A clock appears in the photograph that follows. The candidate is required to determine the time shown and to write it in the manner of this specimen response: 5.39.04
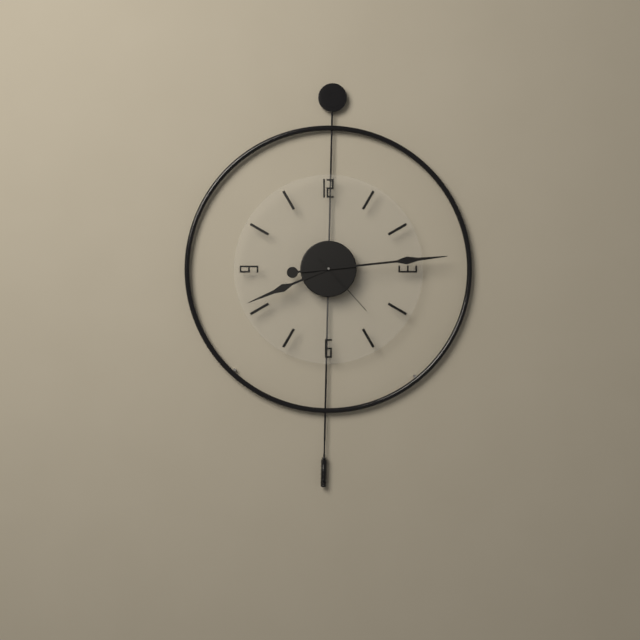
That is 8.14.23
